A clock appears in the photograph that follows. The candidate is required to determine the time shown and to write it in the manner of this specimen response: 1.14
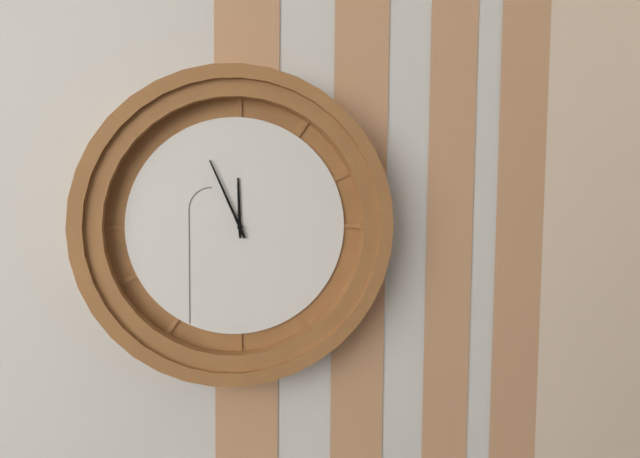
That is 11.56
